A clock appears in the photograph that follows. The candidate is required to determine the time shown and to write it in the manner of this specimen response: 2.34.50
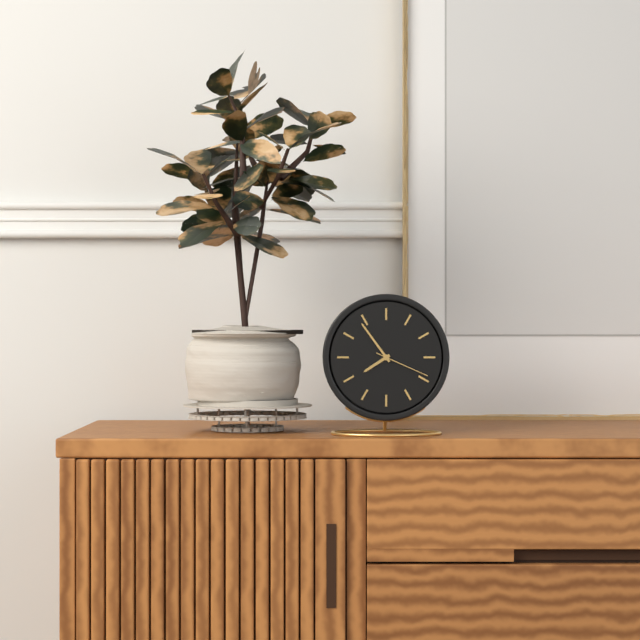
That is 7.54.19
